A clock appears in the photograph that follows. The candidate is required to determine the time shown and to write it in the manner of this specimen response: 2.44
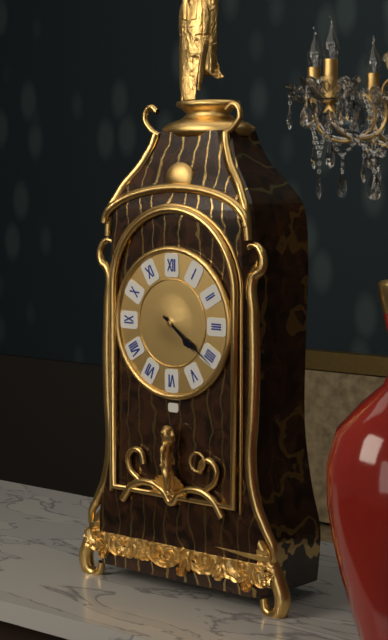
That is 4.21
